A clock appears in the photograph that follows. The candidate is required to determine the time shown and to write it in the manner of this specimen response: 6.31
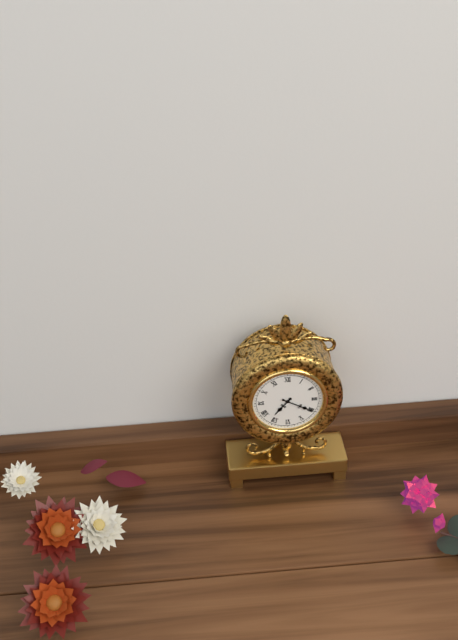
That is 7.20
